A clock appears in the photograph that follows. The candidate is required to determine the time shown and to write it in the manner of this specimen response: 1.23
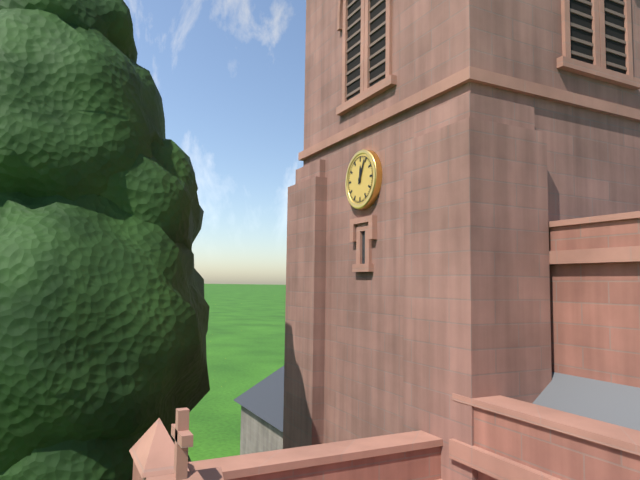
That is 12.04
